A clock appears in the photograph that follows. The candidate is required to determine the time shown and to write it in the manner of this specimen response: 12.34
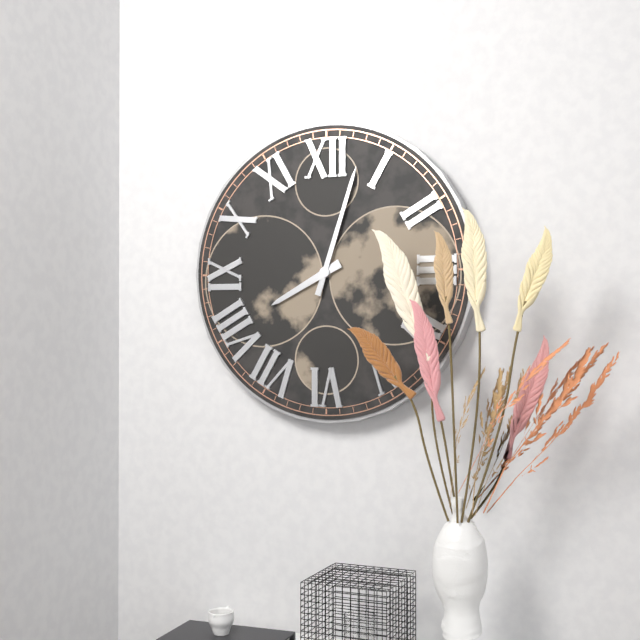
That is 8.03
